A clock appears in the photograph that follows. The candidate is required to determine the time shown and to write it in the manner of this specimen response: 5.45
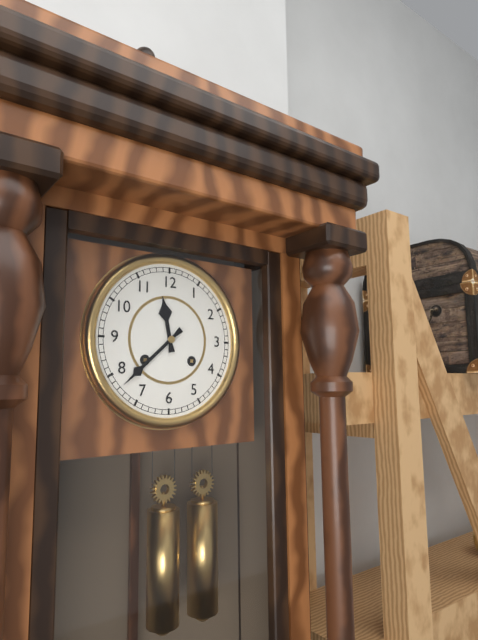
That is 11.38
